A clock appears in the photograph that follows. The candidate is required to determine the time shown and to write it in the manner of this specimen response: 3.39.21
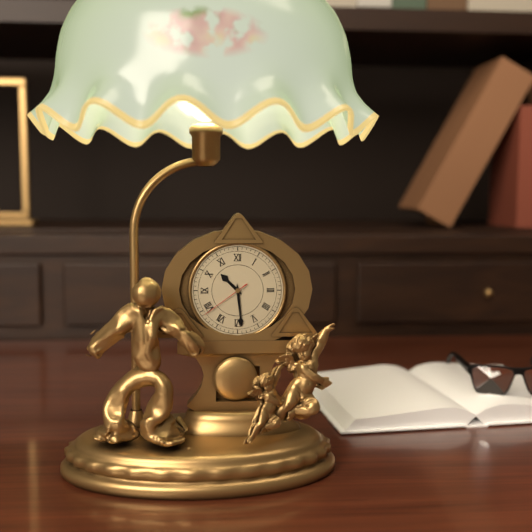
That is 10.29.39
